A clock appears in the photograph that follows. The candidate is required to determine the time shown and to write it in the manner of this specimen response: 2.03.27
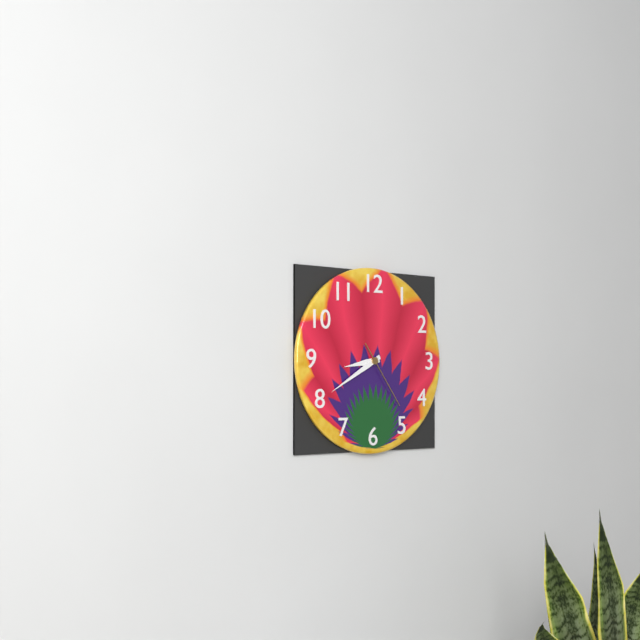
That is 8.40.24
